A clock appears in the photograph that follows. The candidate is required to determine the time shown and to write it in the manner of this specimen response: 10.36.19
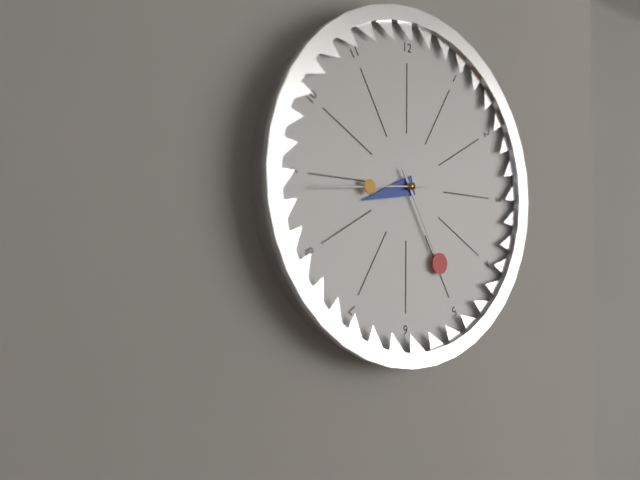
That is 8.25.44
